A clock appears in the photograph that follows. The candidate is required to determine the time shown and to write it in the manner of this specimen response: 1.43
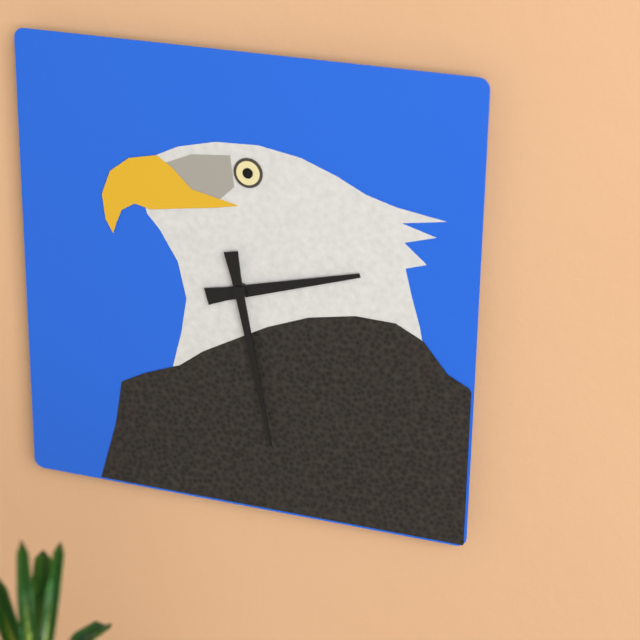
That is 2.28
